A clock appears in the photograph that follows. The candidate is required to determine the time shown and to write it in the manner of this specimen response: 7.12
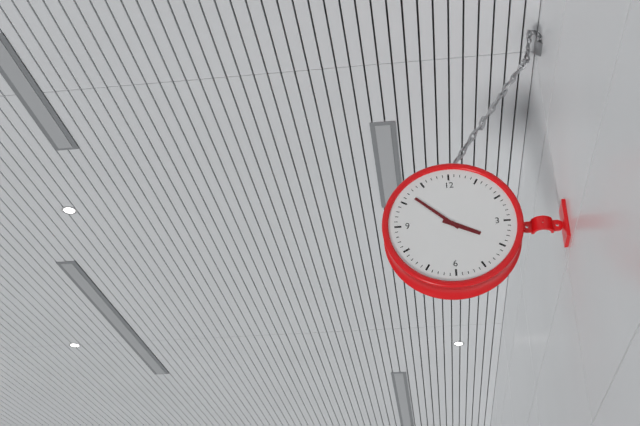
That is 3.52
